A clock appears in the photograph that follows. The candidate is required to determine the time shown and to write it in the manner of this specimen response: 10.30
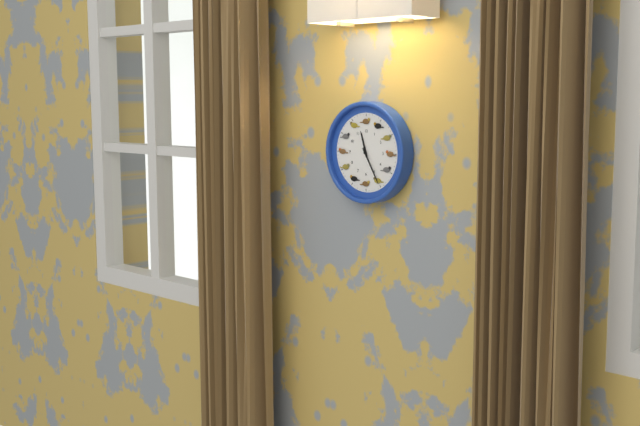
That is 11.25
